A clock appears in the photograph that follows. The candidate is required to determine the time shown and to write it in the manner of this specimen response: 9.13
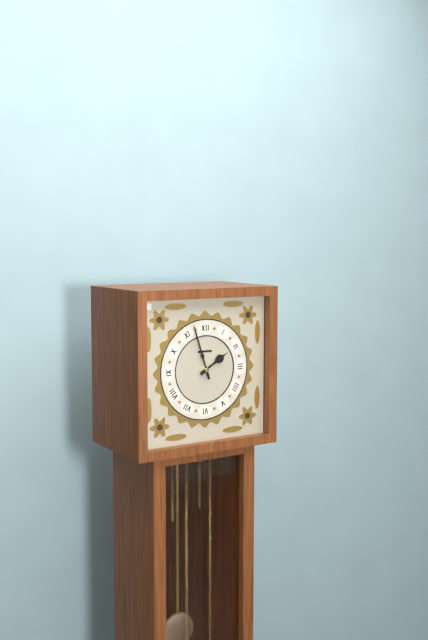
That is 1.57
